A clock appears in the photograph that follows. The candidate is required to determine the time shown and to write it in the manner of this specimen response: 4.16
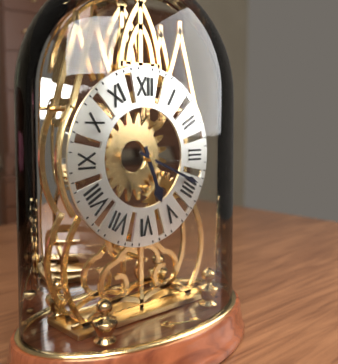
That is 5.19
